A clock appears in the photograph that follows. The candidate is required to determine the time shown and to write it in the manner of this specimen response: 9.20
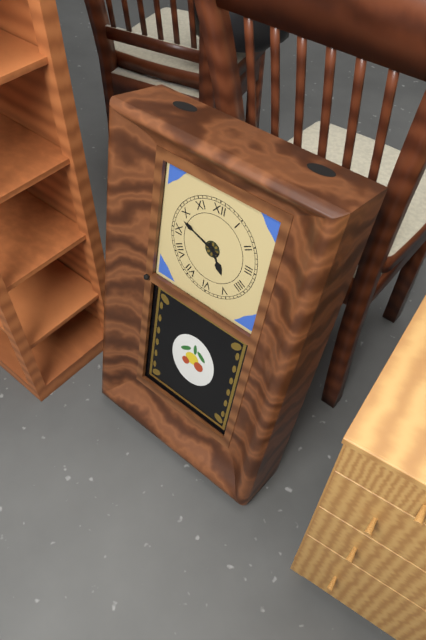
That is 4.48
